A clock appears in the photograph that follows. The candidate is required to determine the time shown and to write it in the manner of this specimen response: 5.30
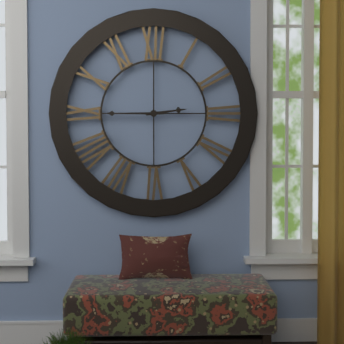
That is 2.45
